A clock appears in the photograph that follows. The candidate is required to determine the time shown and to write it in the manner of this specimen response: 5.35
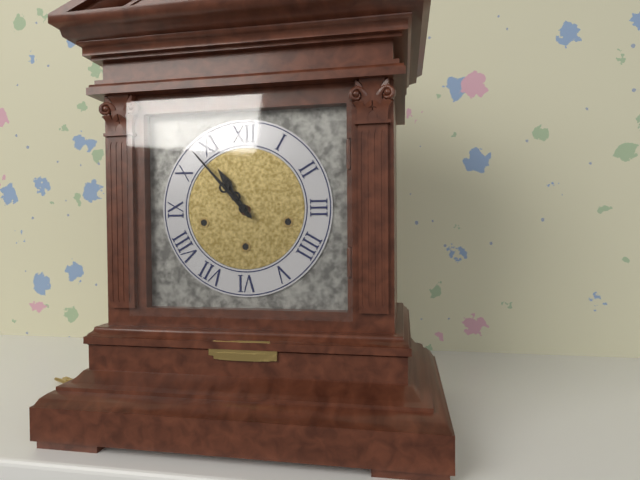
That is 10.53
